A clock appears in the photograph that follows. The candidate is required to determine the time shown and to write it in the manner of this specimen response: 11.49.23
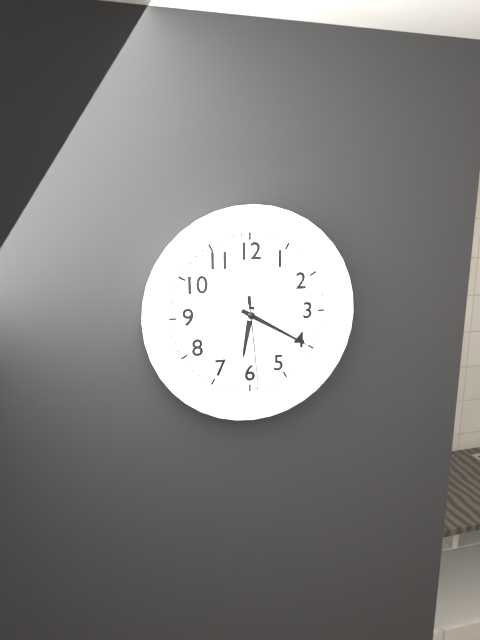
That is 6.20.29
